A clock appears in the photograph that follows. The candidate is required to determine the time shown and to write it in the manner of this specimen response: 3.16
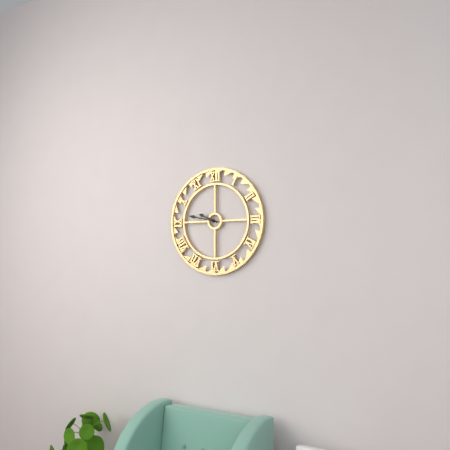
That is 9.47
